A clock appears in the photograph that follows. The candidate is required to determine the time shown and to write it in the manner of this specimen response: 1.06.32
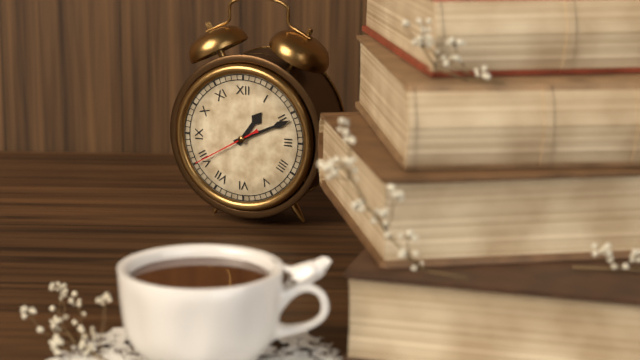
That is 1.11.40
